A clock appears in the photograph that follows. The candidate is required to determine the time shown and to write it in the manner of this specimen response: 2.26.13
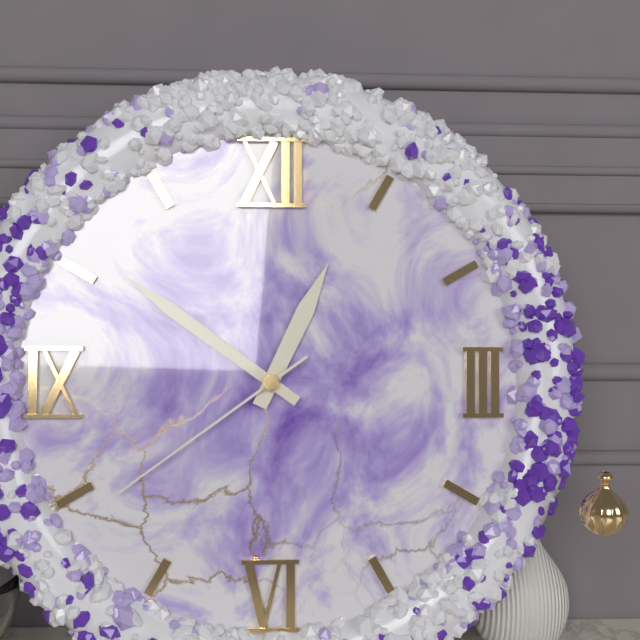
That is 12.51.39
